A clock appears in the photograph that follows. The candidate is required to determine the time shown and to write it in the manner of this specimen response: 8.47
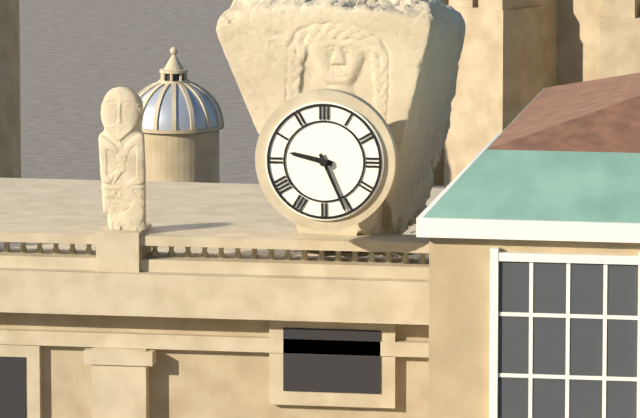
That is 9.26
